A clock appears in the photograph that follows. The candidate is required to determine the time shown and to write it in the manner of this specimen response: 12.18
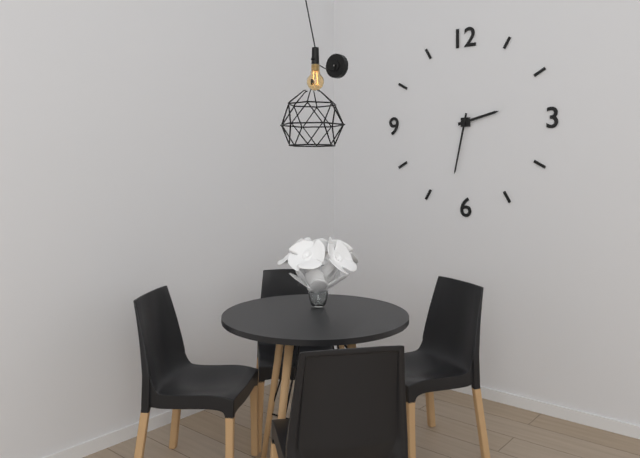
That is 2.32
